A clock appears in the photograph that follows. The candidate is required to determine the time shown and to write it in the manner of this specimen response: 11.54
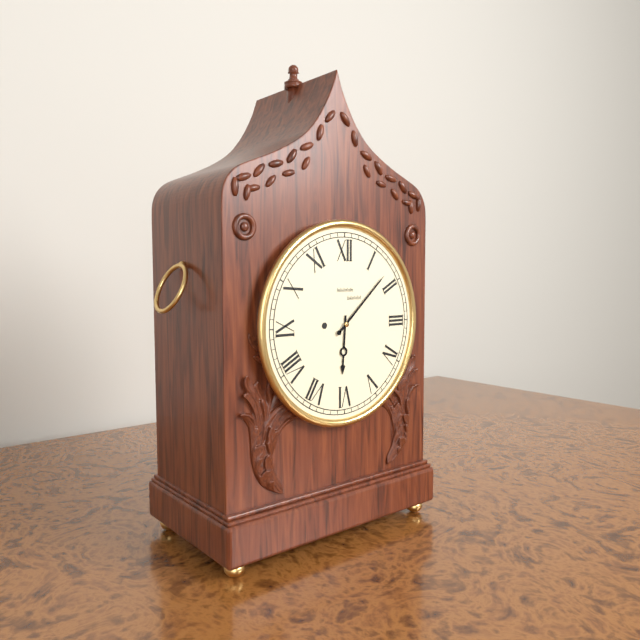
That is 6.08
